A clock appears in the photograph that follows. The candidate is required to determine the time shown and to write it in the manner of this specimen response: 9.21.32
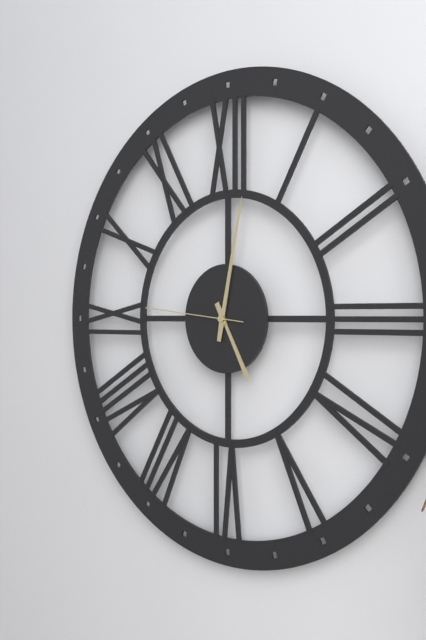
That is 5.02.46
